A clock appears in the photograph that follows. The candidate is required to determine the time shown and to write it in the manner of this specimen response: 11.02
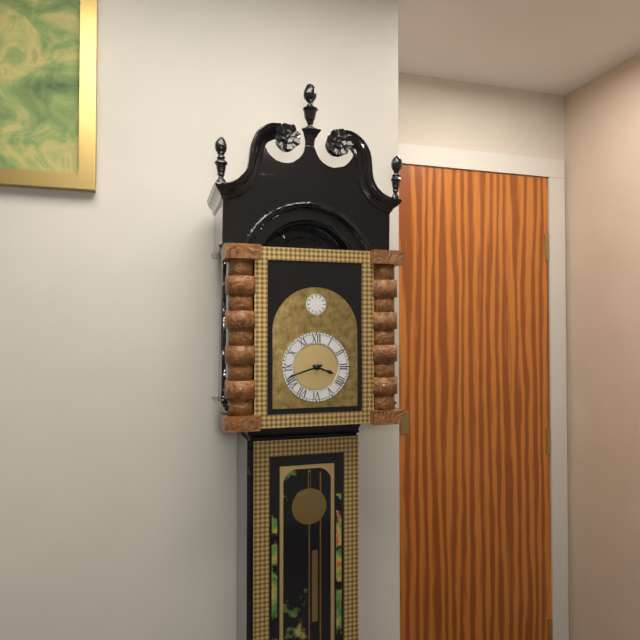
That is 3.42
